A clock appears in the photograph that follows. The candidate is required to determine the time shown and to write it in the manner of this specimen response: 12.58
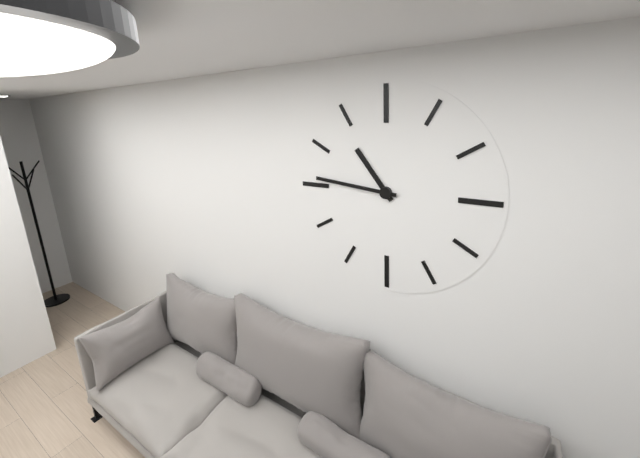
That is 10.46
